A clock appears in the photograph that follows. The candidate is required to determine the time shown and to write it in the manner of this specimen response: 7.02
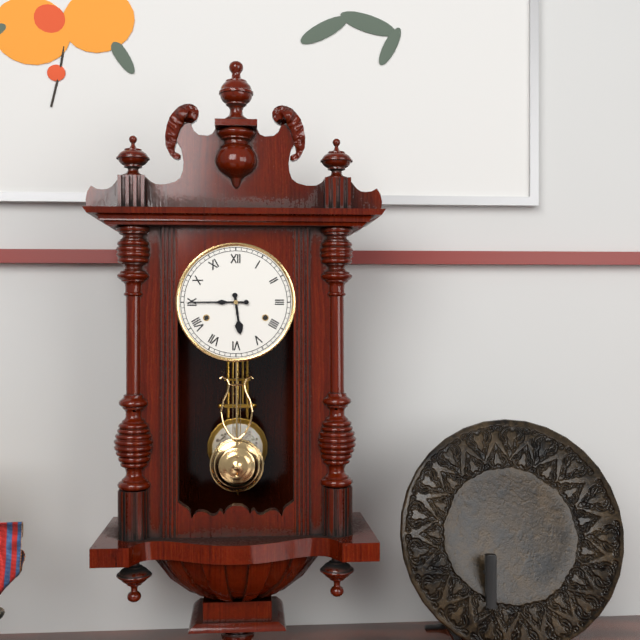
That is 5.45
